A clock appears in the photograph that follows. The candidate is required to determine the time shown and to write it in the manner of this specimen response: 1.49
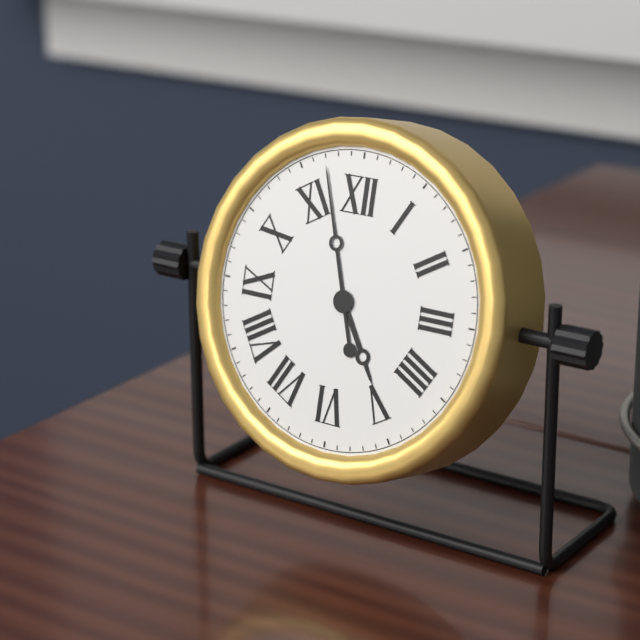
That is 4.57
